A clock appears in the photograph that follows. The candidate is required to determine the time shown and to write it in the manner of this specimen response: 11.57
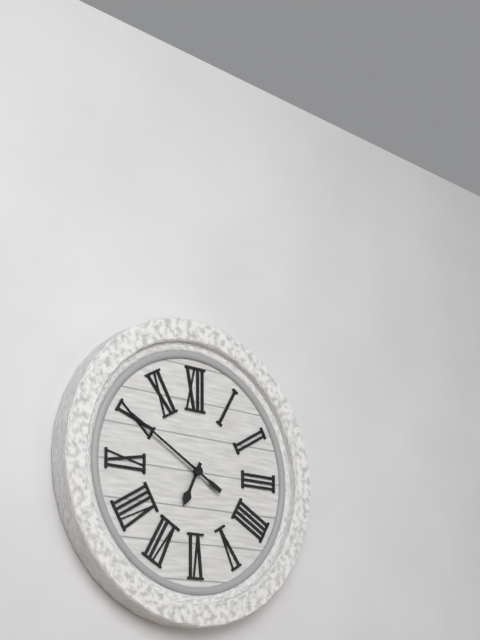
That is 6.50
